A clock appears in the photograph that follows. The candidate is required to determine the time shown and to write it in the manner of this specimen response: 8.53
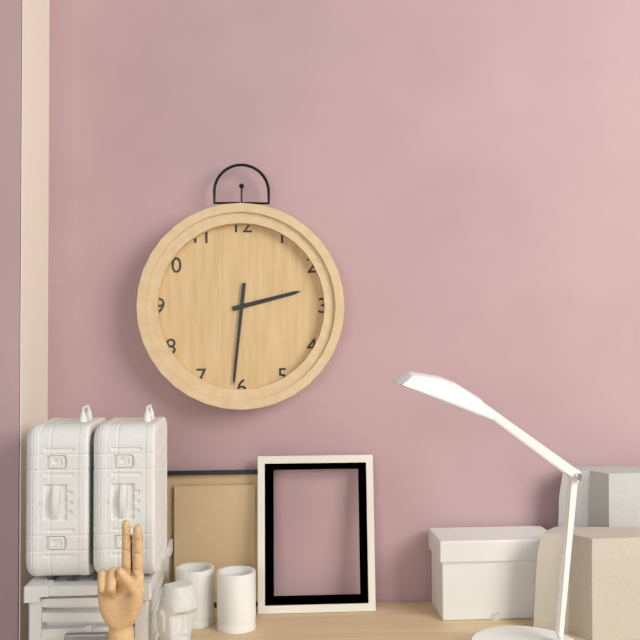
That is 2.31
